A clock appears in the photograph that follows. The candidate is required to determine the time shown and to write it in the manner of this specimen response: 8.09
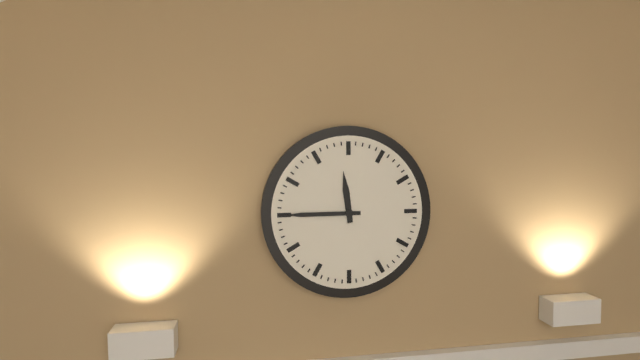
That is 11.45
